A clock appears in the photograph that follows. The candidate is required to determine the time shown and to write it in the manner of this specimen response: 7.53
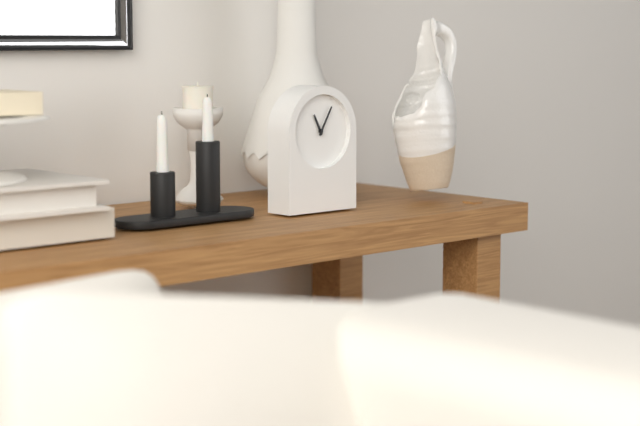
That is 11.05
